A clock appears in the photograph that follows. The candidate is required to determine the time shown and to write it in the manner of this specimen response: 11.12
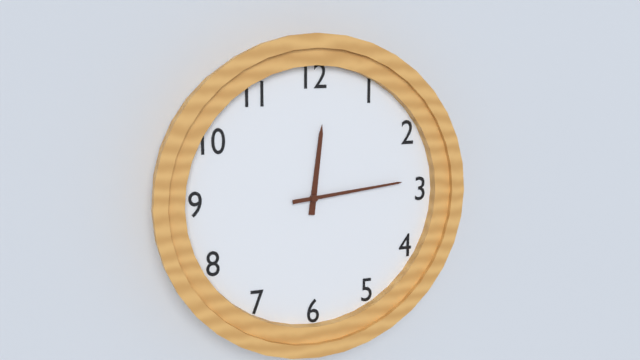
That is 12.14
